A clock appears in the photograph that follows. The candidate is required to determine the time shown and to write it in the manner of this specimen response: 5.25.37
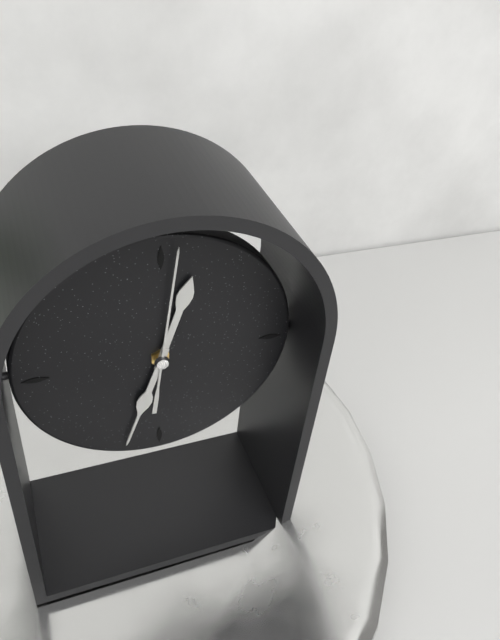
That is 12.33.01
